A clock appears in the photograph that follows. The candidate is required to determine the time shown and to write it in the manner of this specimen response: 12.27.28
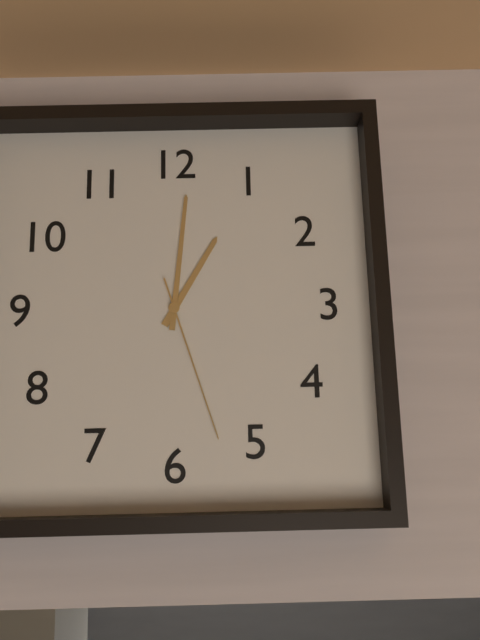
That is 1.01.27
